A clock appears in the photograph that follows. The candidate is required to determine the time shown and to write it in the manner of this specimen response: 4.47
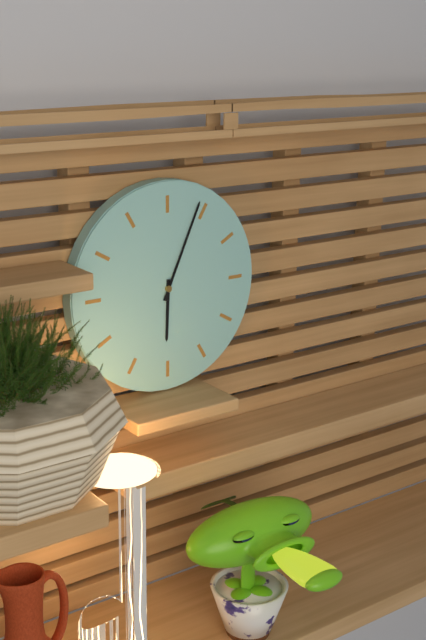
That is 6.04
